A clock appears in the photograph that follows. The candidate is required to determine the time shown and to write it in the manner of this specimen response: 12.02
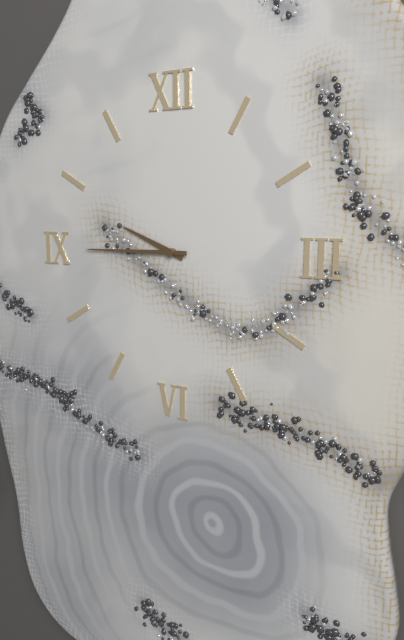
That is 9.45
